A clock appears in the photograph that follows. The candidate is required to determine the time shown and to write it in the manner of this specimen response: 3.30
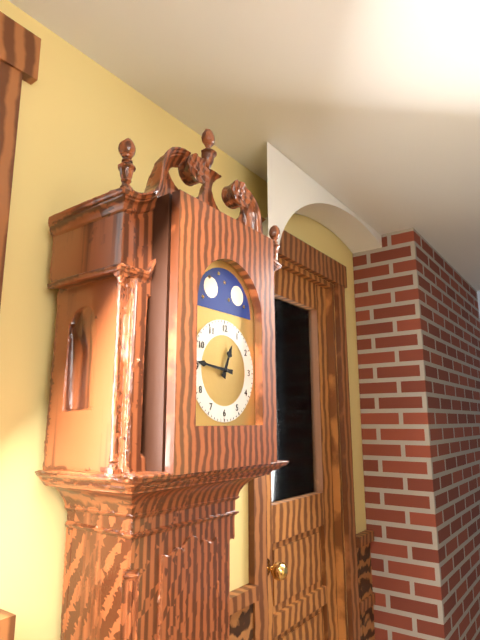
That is 12.46
